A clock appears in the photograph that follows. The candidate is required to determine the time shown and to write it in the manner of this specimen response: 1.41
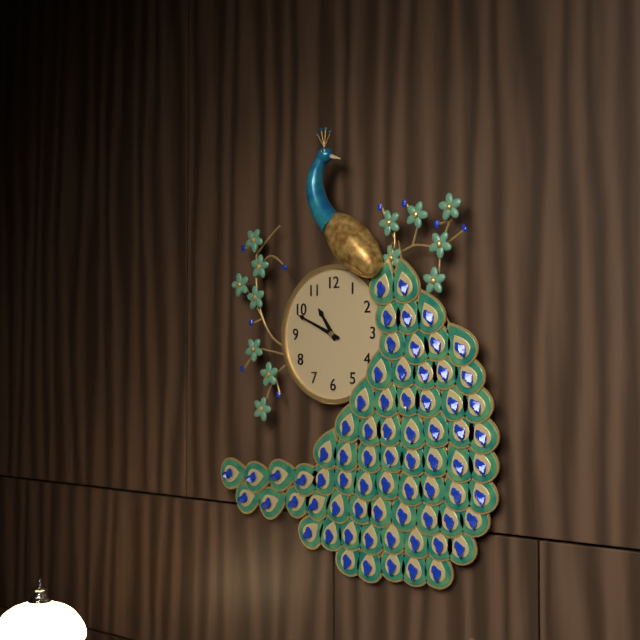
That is 10.49
